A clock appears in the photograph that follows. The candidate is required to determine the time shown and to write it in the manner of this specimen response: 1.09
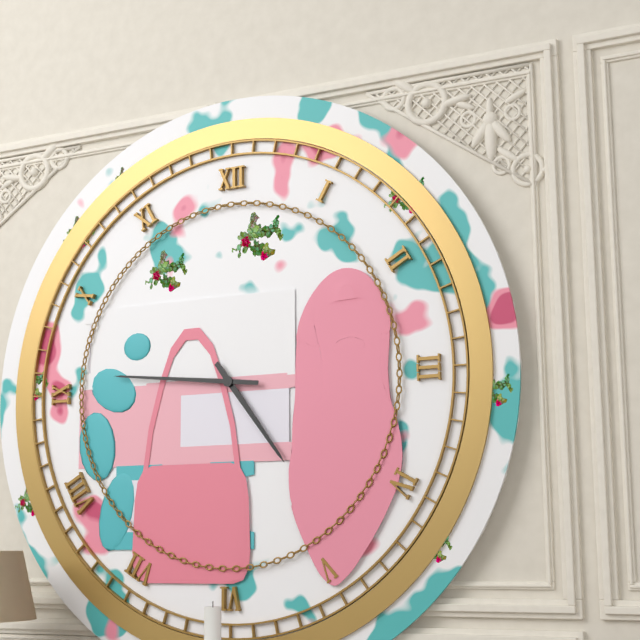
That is 4.46
